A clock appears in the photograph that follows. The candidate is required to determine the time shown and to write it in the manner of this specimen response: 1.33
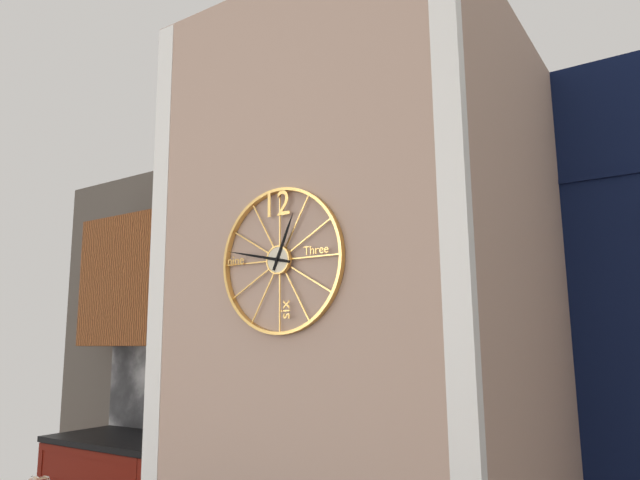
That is 12.47
